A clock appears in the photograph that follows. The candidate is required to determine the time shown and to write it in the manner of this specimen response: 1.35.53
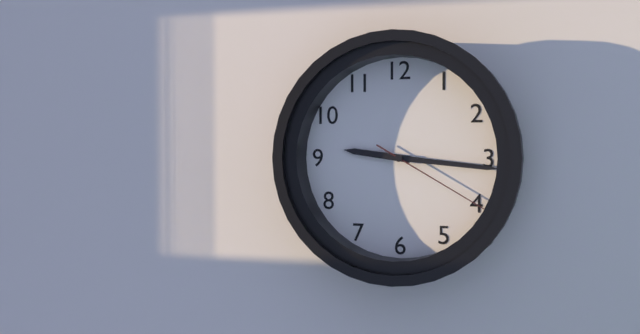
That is 9.16.20
